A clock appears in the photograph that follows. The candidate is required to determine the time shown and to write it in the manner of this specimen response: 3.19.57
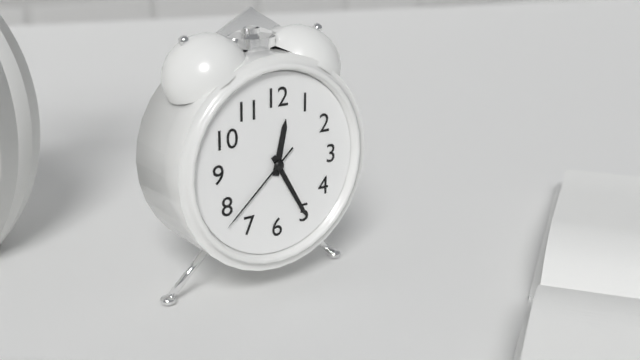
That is 12.25.38
